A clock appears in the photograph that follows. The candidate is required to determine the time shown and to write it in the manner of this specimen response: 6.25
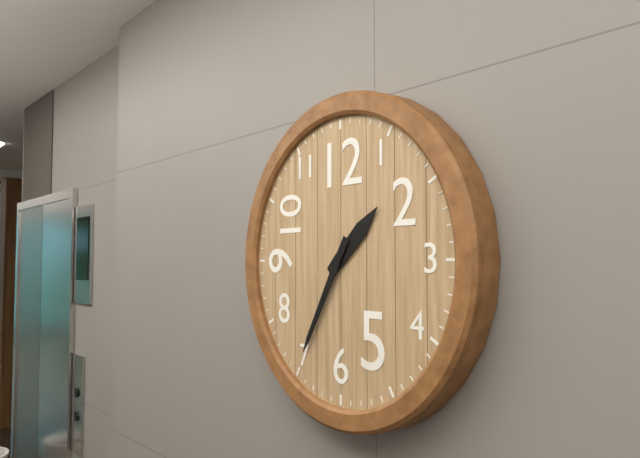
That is 1.35
